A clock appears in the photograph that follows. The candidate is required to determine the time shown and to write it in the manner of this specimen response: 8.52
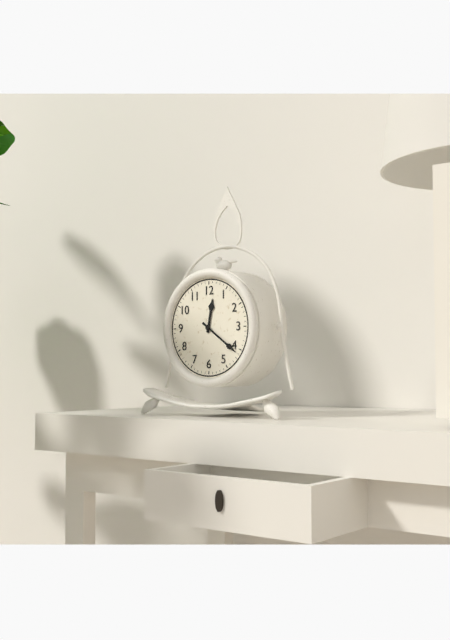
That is 12.21
